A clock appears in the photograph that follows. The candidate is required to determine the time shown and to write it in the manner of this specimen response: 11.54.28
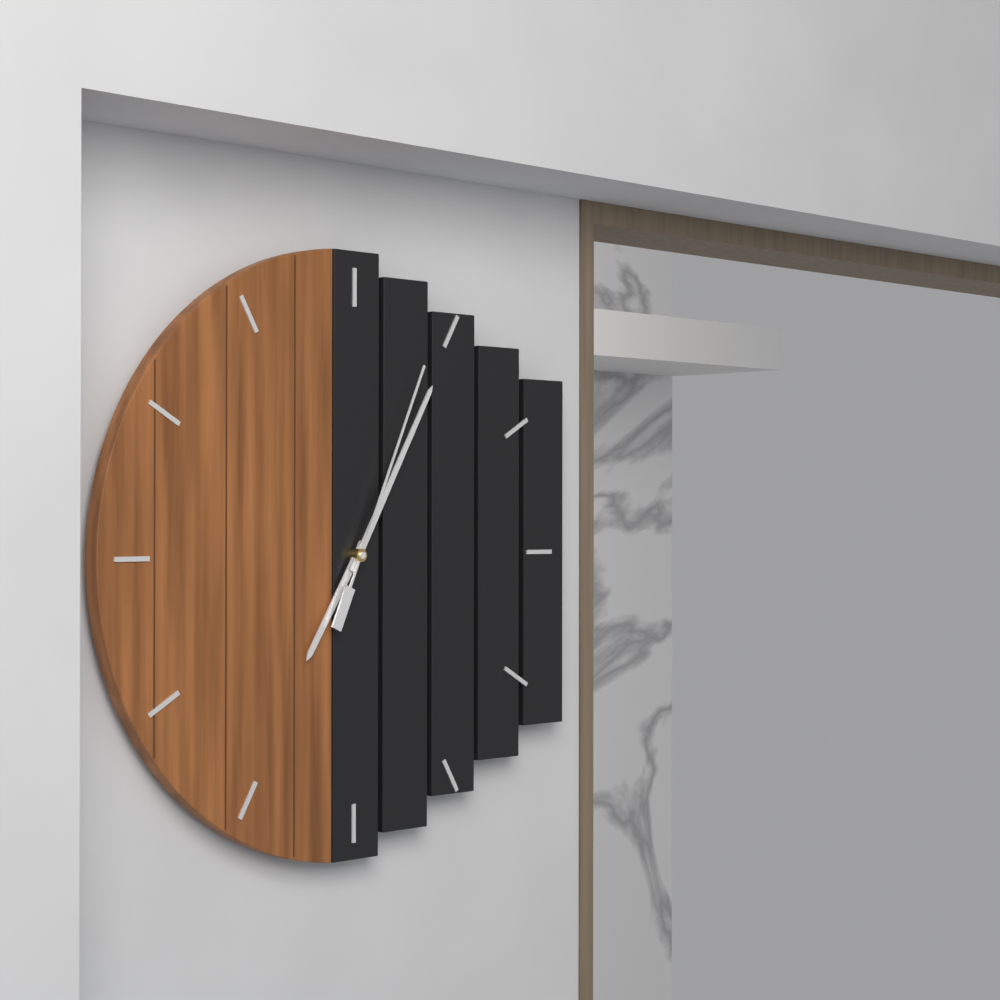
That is 7.05.04
